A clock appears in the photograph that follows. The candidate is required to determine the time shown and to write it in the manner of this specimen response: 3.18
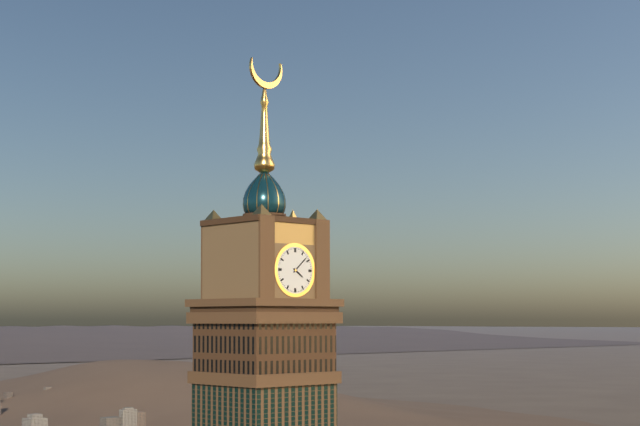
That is 4.08
